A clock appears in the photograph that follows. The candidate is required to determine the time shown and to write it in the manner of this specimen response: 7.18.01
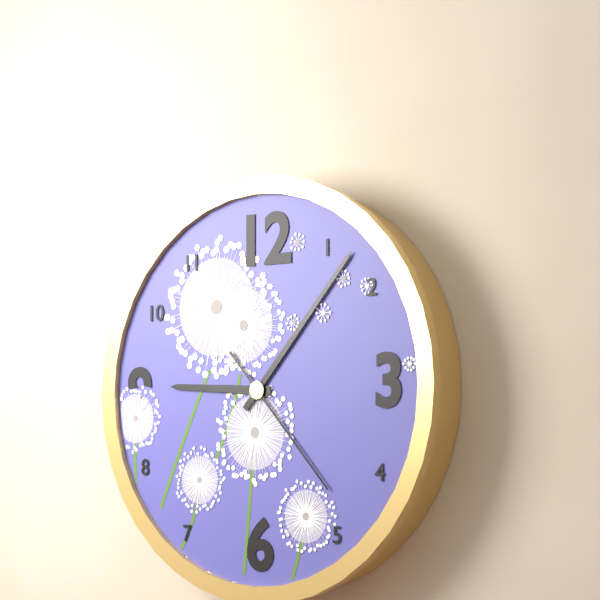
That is 9.07.23
